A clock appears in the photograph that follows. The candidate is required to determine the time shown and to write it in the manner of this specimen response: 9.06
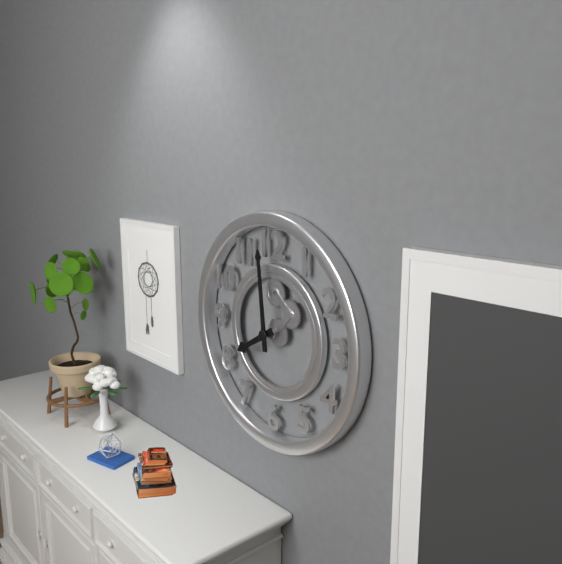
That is 7.59
